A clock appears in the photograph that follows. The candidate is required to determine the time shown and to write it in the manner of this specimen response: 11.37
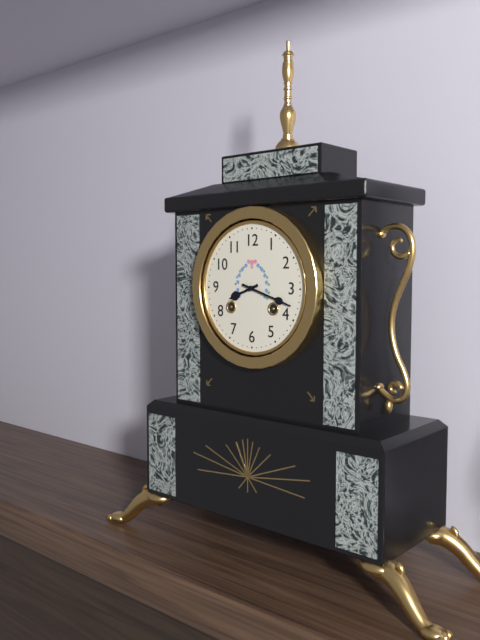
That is 8.18
